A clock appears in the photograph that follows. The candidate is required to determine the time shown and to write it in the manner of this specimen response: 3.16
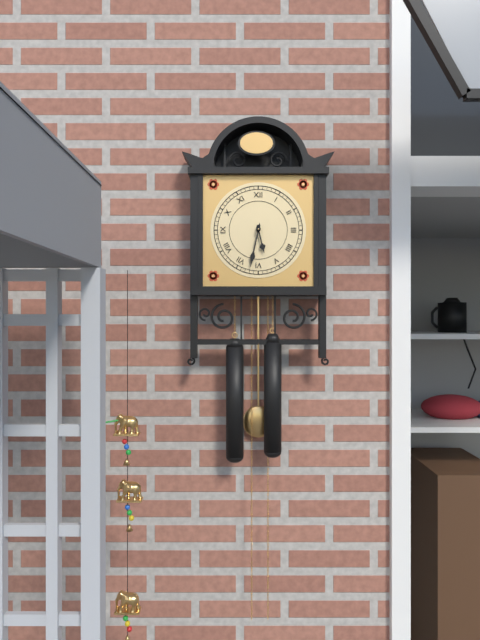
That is 5.32
